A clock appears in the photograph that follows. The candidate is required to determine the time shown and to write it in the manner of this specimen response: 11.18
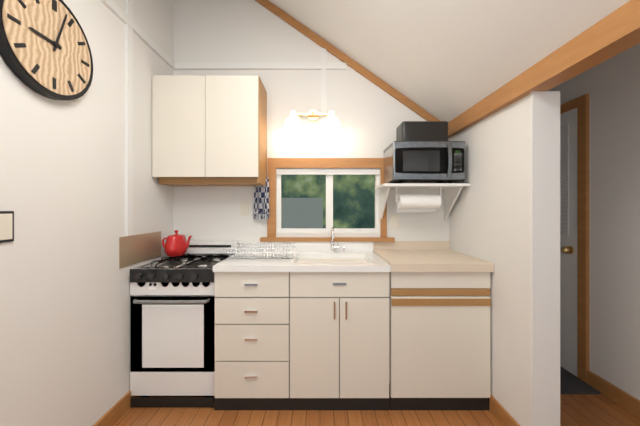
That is 9.03
